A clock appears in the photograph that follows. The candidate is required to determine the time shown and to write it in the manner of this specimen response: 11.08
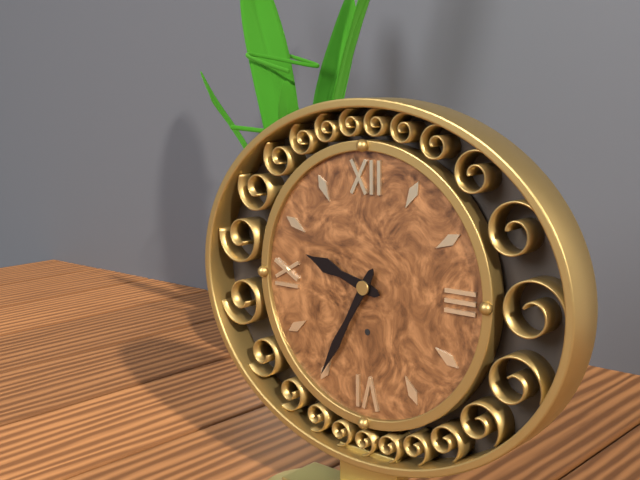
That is 9.35
